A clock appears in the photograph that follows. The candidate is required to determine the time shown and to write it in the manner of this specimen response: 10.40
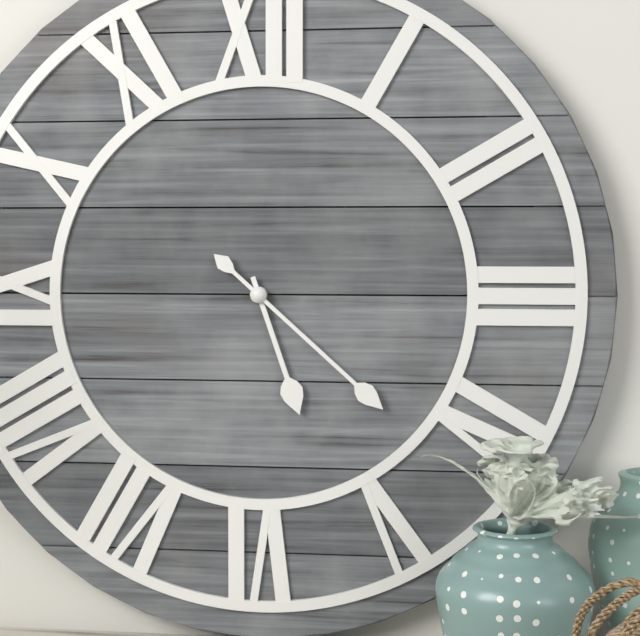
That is 5.22
